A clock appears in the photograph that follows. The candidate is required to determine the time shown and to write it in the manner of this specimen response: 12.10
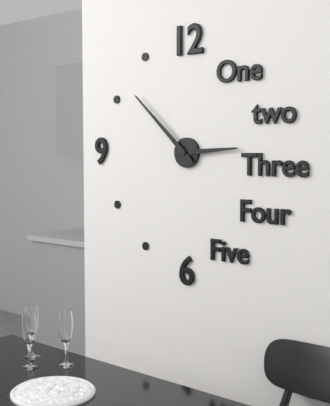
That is 2.52
